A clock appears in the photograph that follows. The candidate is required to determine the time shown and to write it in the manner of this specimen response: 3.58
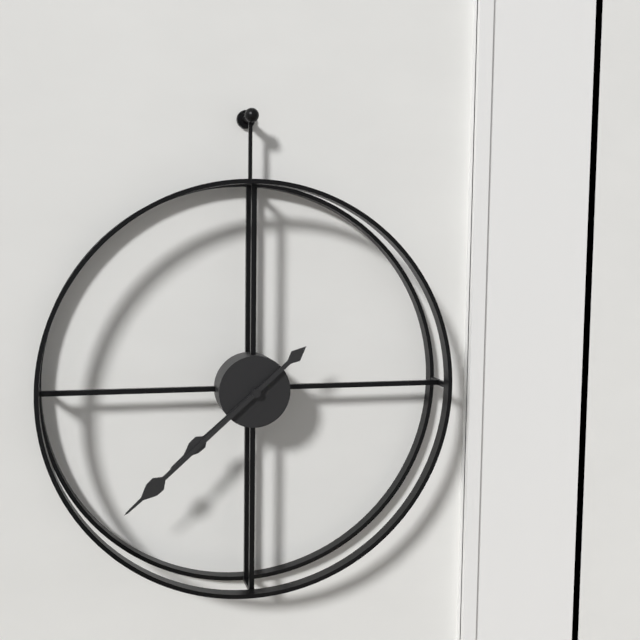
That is 7.38
